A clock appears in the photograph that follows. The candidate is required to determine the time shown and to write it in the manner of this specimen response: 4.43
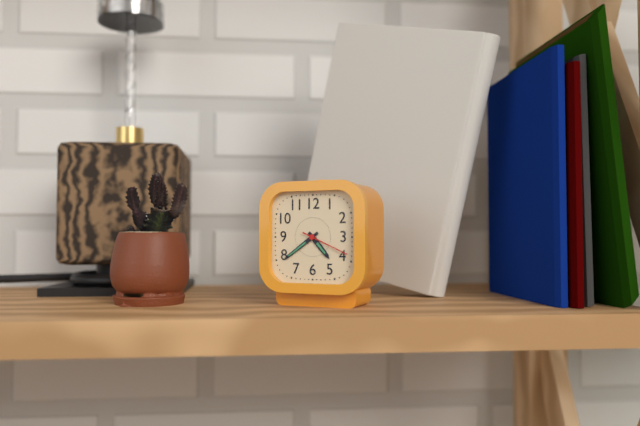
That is 4.39
